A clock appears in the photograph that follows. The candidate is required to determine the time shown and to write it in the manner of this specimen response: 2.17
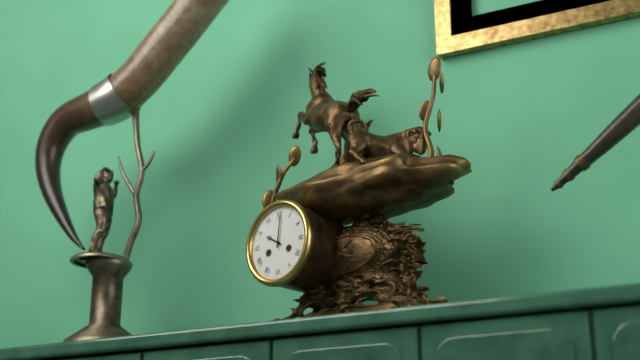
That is 10.01
